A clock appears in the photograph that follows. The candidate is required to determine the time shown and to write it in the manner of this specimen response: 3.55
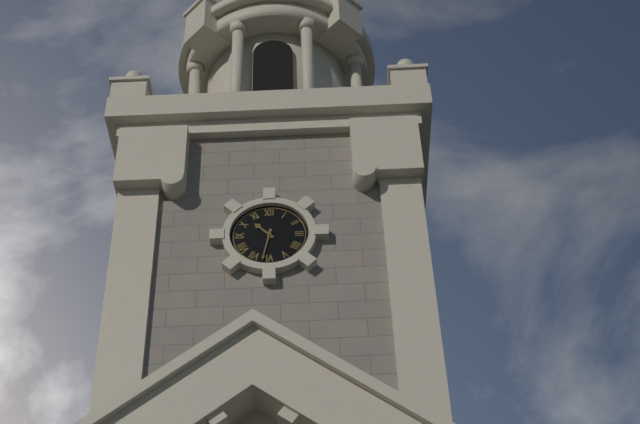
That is 10.32
